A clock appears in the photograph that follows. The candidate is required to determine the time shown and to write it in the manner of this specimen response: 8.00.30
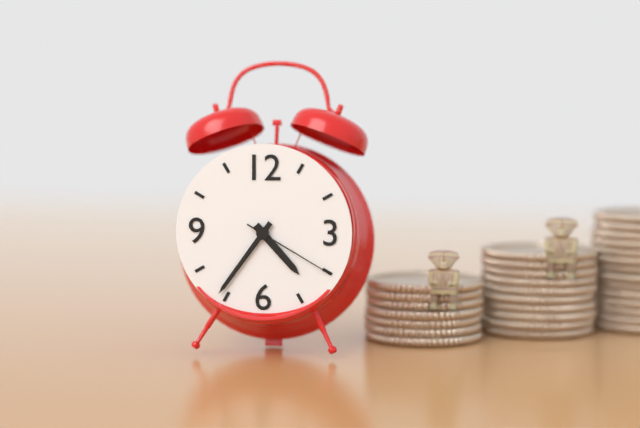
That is 4.36.20
